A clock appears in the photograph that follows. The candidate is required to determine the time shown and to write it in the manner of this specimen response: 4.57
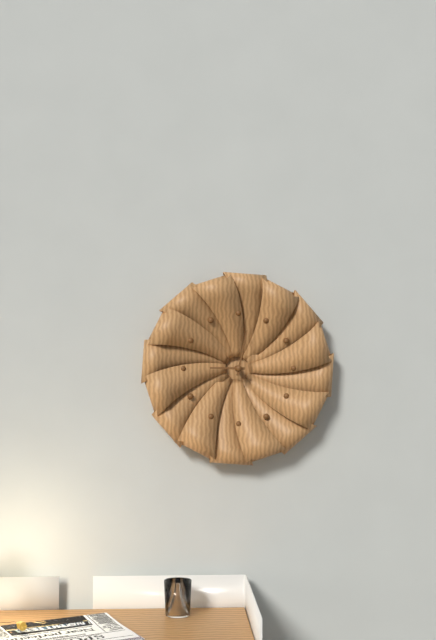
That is 9.02
